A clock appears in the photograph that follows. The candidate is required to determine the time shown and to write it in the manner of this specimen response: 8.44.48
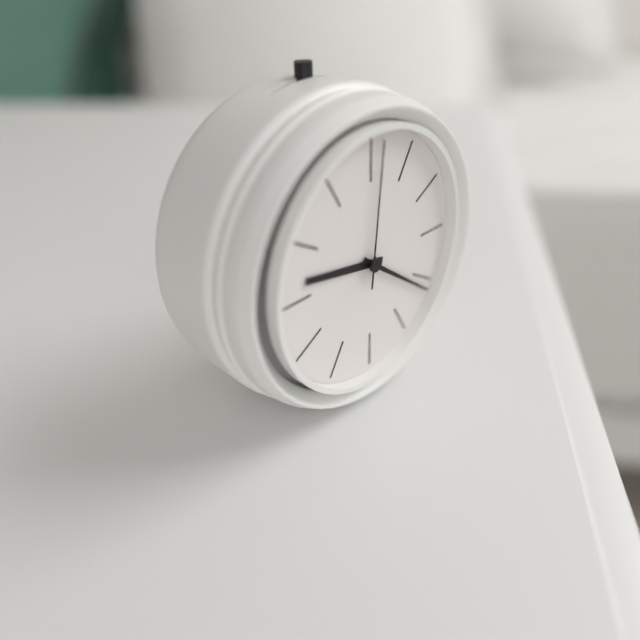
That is 9.21.01
